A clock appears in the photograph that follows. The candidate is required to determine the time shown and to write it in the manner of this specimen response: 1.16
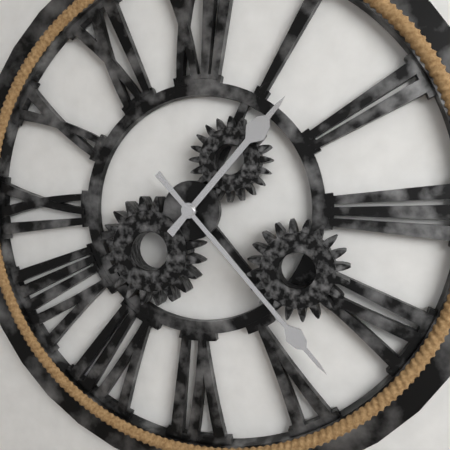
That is 1.23
